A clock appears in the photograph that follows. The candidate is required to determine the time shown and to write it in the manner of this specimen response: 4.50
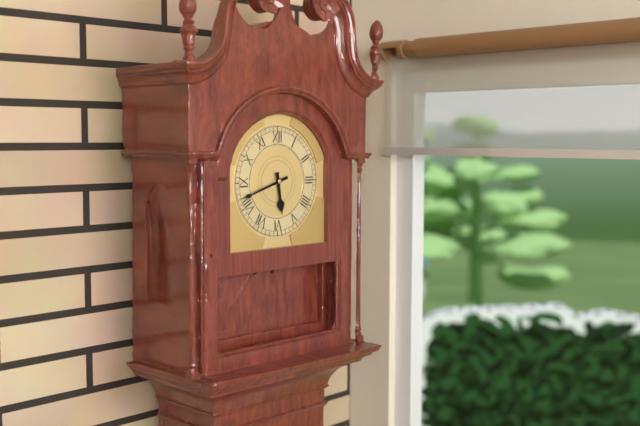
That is 5.42
